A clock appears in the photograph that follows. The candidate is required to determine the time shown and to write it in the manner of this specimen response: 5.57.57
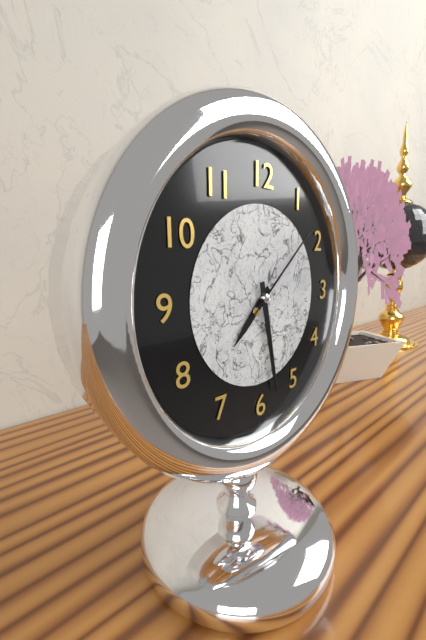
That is 7.28.08
